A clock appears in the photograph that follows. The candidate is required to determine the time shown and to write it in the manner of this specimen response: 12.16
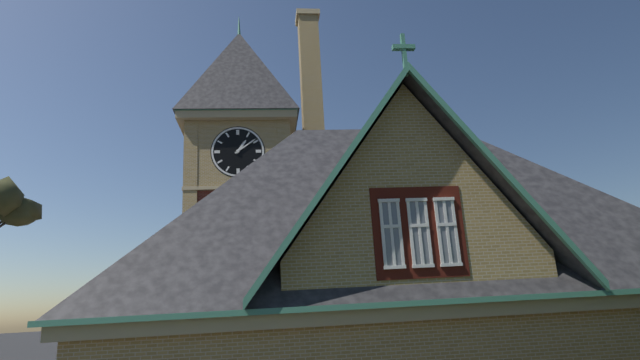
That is 1.09
